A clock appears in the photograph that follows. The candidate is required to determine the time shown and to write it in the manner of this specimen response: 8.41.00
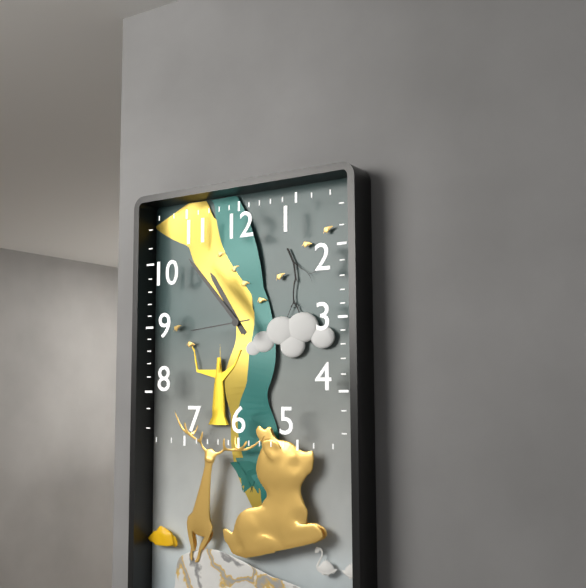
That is 10.53.44
